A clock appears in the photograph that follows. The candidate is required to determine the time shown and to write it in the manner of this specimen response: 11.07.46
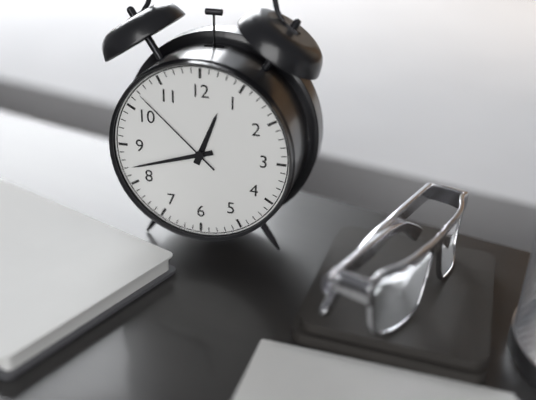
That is 12.42.52
